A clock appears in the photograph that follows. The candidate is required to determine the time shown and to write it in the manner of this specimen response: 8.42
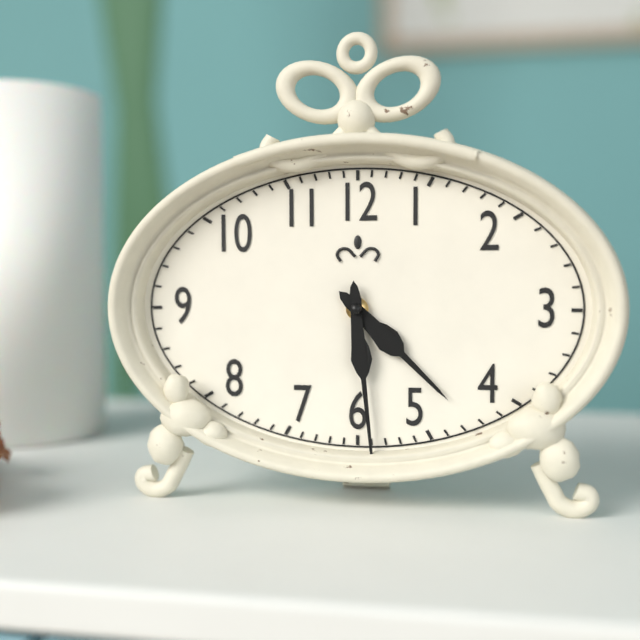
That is 4.29
